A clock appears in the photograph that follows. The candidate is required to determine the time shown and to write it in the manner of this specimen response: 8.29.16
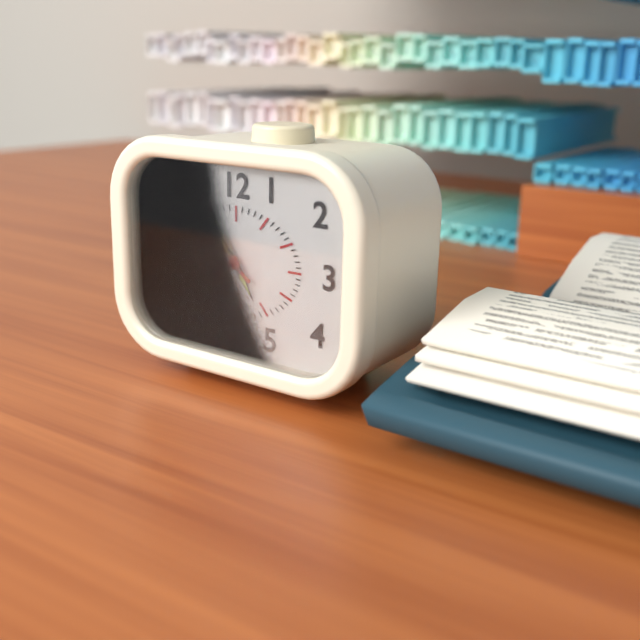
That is 4.54.51
